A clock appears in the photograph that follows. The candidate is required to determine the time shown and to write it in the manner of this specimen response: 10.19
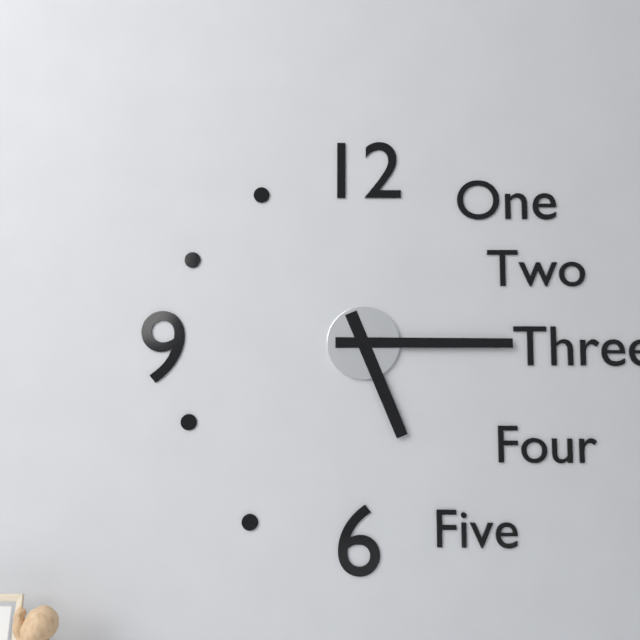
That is 5.15
